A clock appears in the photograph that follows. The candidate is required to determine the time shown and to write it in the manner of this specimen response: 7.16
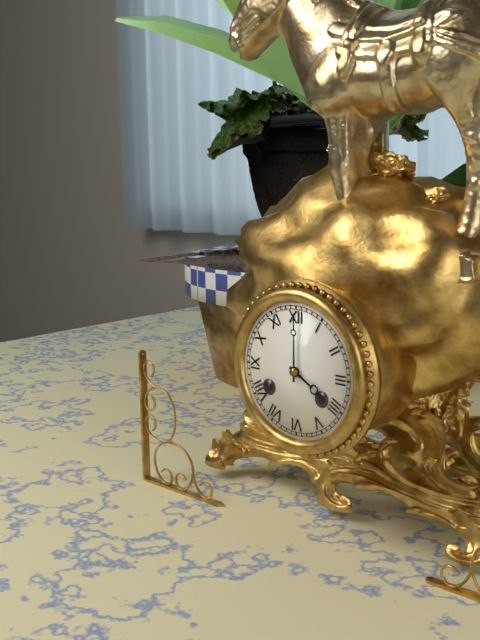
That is 4.00
